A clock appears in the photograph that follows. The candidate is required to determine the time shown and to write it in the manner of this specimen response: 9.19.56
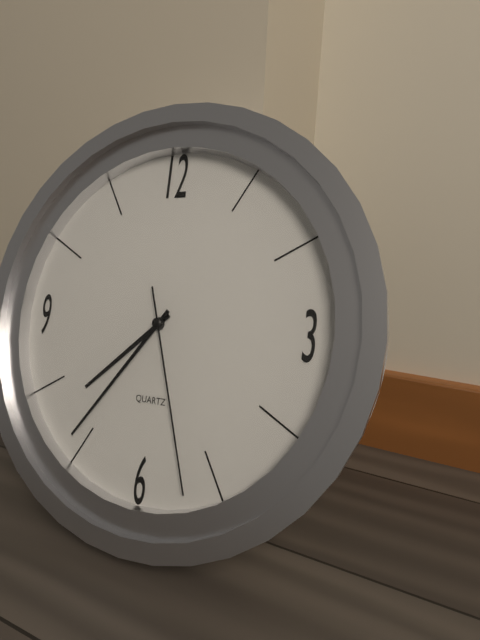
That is 7.36.27
